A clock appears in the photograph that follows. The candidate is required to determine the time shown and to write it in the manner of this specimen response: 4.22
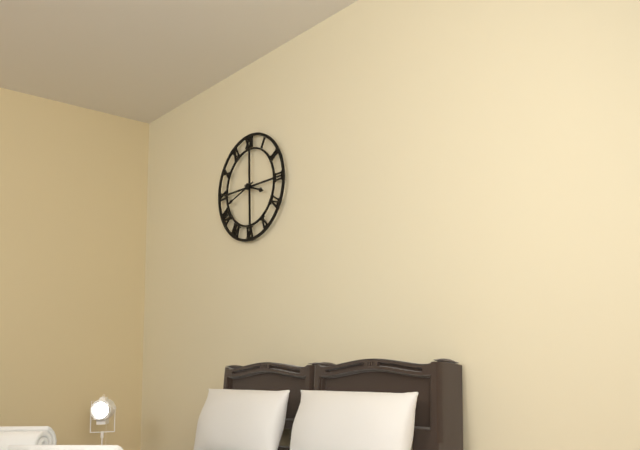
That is 3.42
